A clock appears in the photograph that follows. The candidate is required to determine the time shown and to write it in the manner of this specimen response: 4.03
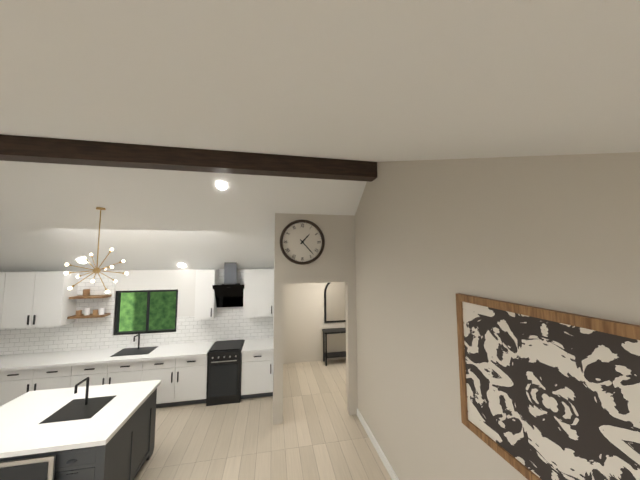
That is 1.23
